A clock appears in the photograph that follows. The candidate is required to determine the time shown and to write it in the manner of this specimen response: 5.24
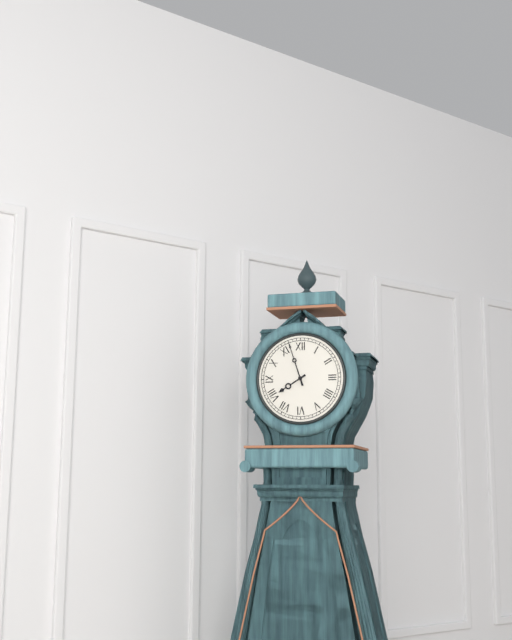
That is 7.57
